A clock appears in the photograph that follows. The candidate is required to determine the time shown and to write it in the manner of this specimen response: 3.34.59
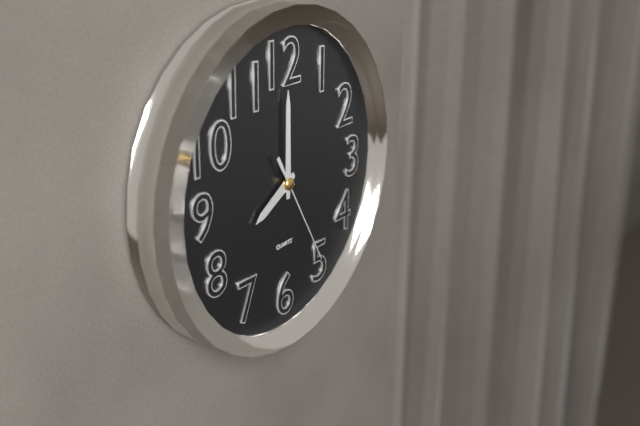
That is 8.00.25
